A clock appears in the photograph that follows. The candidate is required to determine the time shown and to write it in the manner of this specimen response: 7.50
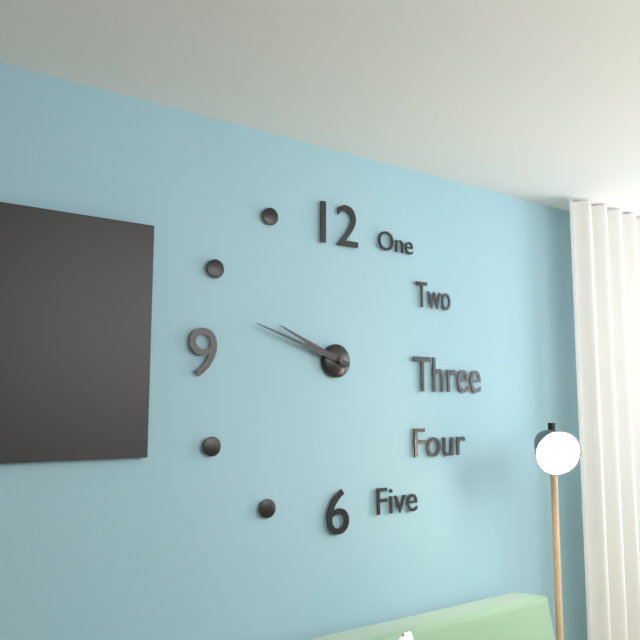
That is 9.48
